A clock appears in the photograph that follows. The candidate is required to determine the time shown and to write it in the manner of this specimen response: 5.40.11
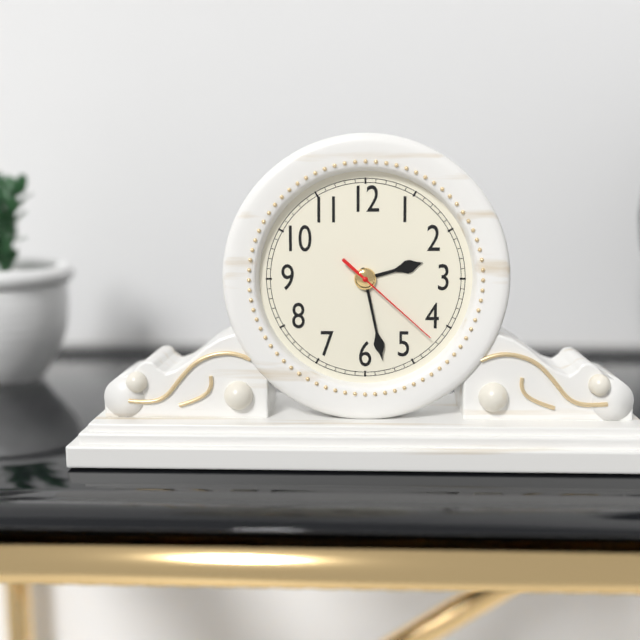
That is 2.28.22
